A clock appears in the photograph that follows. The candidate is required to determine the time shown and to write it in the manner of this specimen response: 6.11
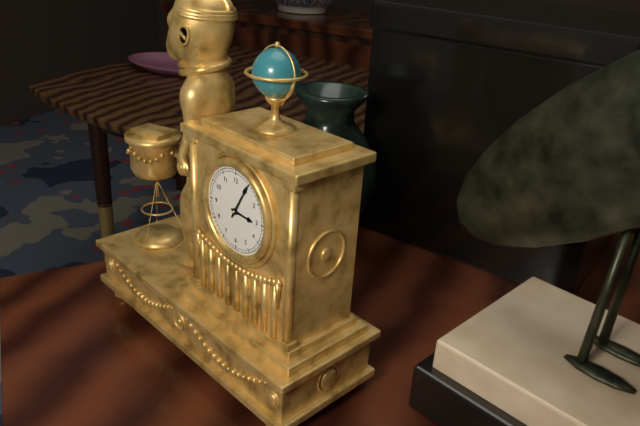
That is 3.05
